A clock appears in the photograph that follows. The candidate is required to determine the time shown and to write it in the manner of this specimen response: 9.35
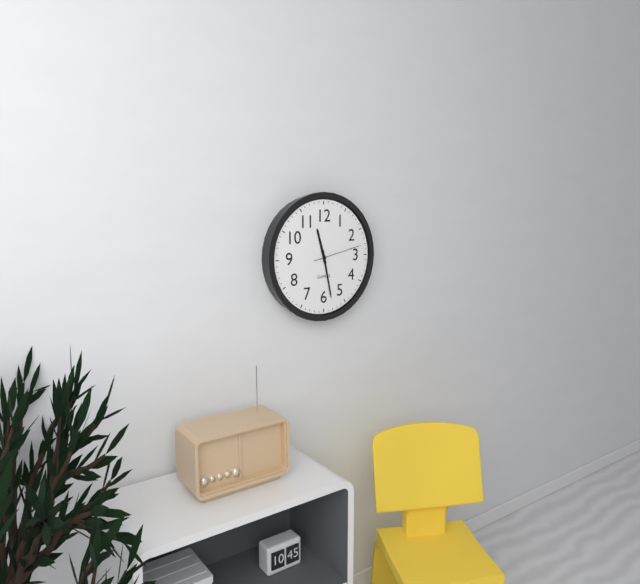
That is 11.28
